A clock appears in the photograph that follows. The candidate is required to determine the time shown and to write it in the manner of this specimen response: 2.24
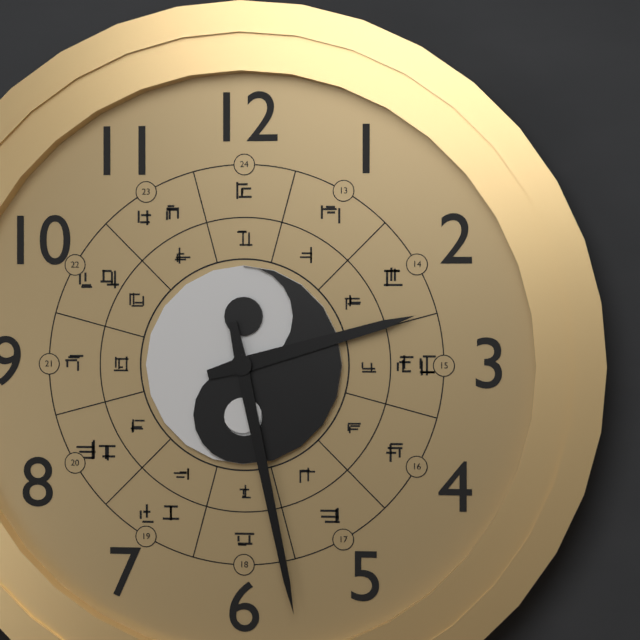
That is 2.28
